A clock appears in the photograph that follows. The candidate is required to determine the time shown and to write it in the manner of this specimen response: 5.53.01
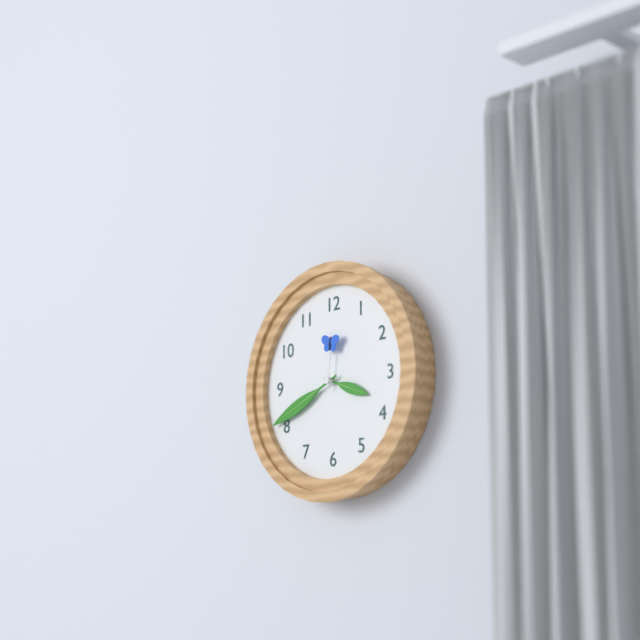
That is 3.41.01
